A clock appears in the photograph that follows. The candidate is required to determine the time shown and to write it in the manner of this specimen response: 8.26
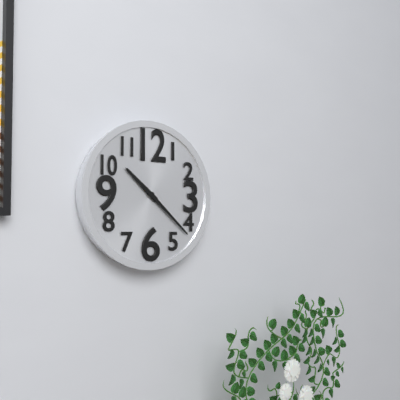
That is 10.22
